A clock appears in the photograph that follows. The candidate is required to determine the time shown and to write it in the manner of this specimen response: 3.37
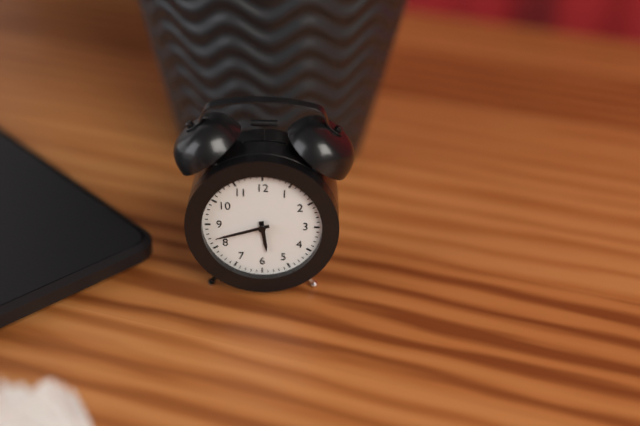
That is 5.42
